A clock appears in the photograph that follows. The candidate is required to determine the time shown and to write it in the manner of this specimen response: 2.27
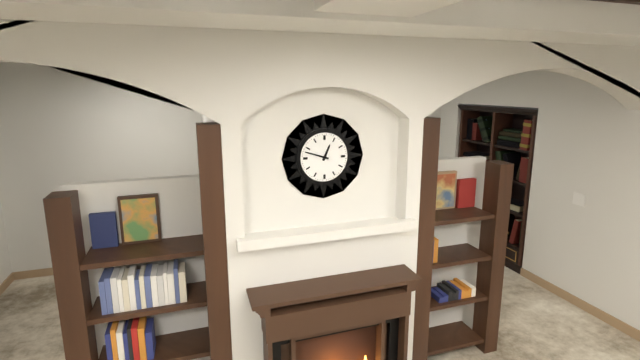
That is 12.48
